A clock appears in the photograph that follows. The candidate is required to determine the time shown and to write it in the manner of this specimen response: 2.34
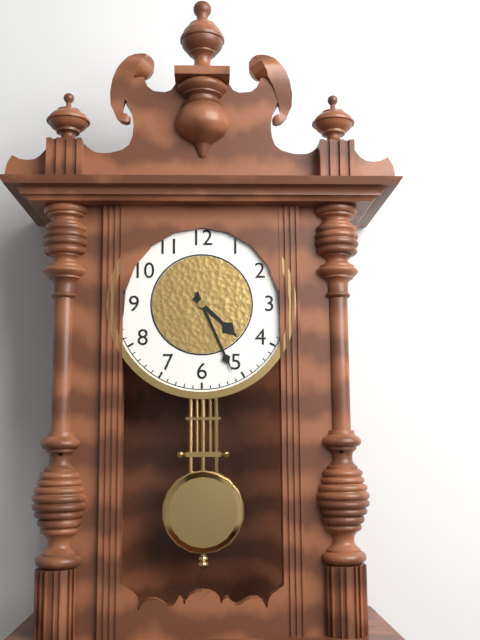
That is 4.26
